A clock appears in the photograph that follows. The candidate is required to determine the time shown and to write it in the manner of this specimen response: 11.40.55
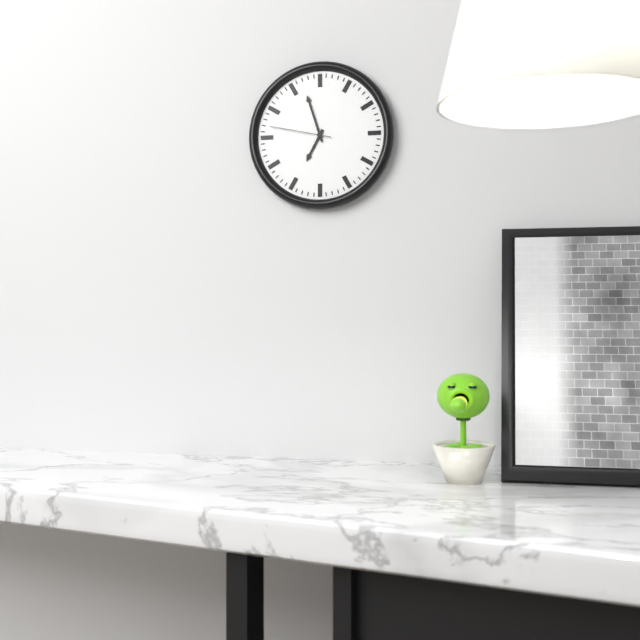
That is 6.57.47
